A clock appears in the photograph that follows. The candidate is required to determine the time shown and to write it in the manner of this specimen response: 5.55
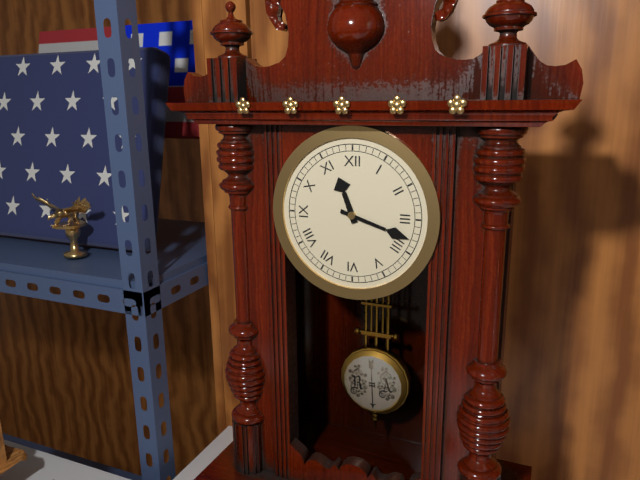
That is 11.18
